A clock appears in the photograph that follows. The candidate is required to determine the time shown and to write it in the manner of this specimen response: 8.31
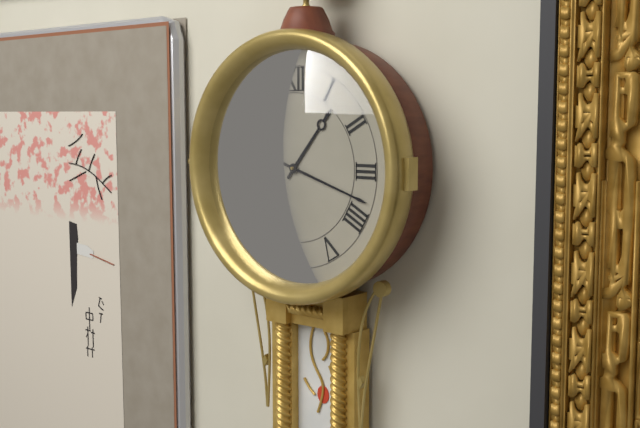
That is 1.18
